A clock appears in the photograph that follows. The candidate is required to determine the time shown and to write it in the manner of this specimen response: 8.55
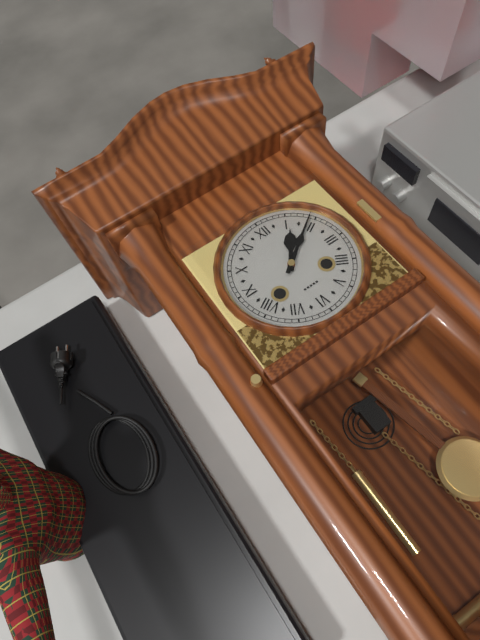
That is 1.09
